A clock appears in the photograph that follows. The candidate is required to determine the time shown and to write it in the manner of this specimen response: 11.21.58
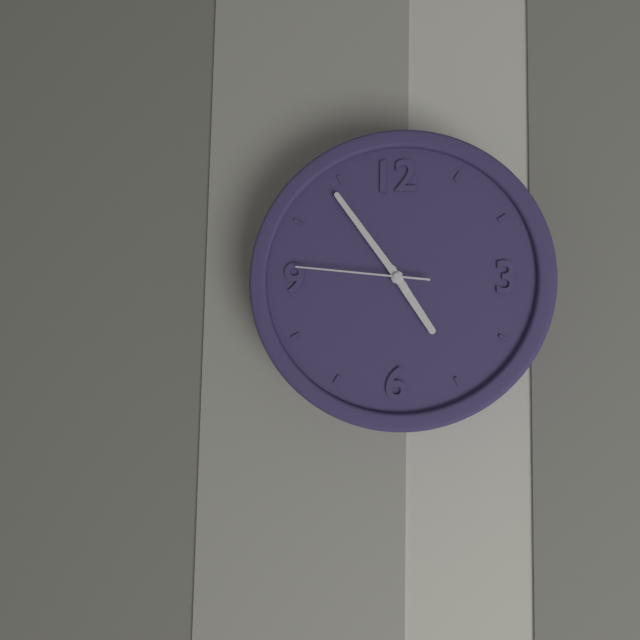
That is 4.54.46
